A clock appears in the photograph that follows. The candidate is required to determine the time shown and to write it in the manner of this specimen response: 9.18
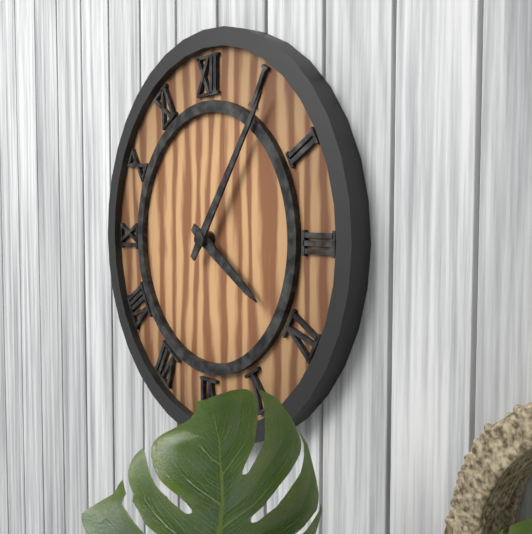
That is 4.06
